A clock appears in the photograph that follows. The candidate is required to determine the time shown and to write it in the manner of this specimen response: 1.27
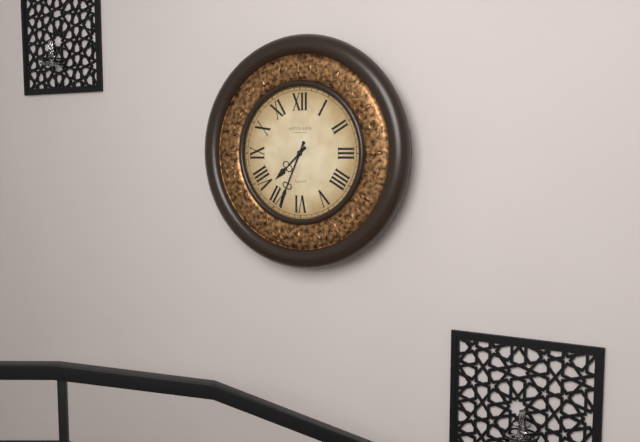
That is 7.34
